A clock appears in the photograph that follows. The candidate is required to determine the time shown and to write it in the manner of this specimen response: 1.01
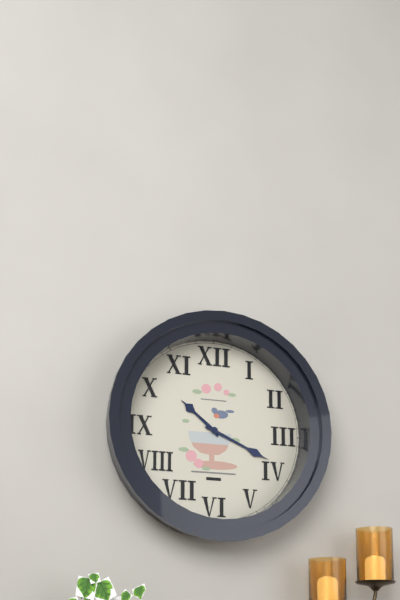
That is 10.19
